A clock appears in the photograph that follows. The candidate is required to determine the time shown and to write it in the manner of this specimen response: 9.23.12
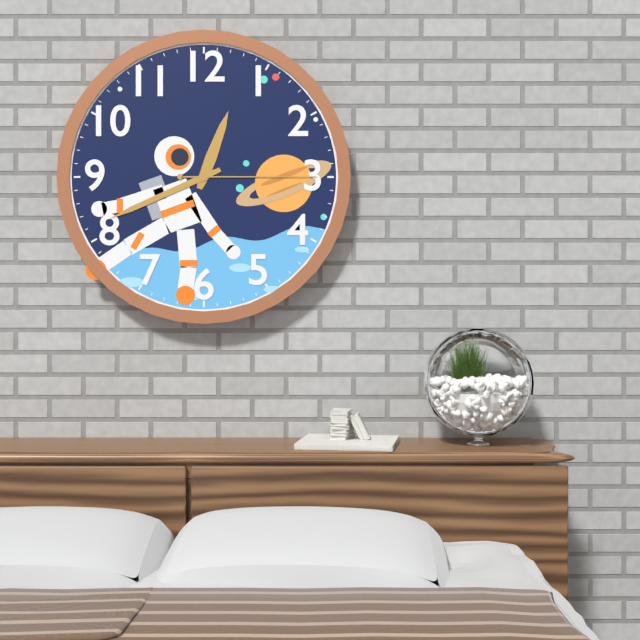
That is 12.41.15
